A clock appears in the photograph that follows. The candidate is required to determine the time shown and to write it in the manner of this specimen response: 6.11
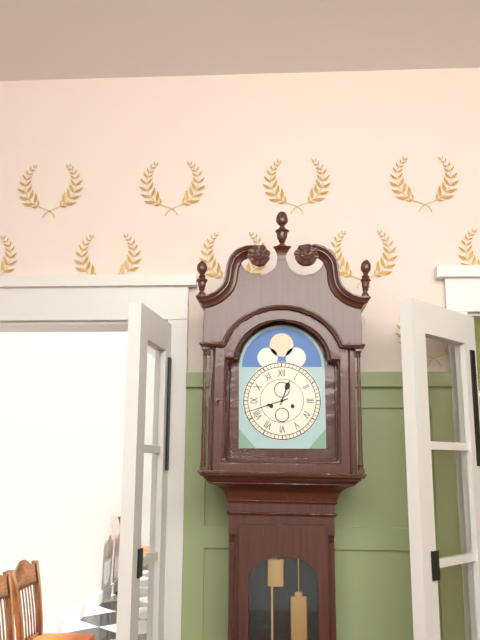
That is 12.42
